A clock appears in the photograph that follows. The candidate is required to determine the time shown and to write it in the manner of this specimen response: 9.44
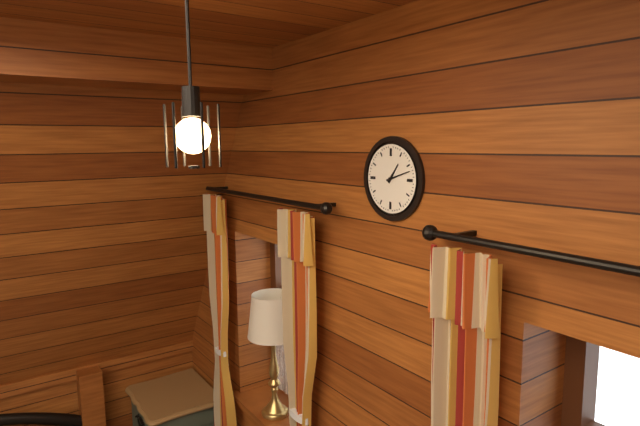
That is 1.12
